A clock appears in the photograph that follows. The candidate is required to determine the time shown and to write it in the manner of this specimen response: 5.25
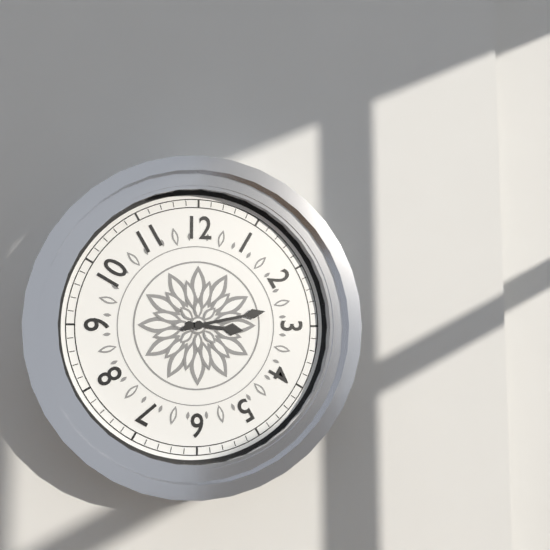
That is 3.13
